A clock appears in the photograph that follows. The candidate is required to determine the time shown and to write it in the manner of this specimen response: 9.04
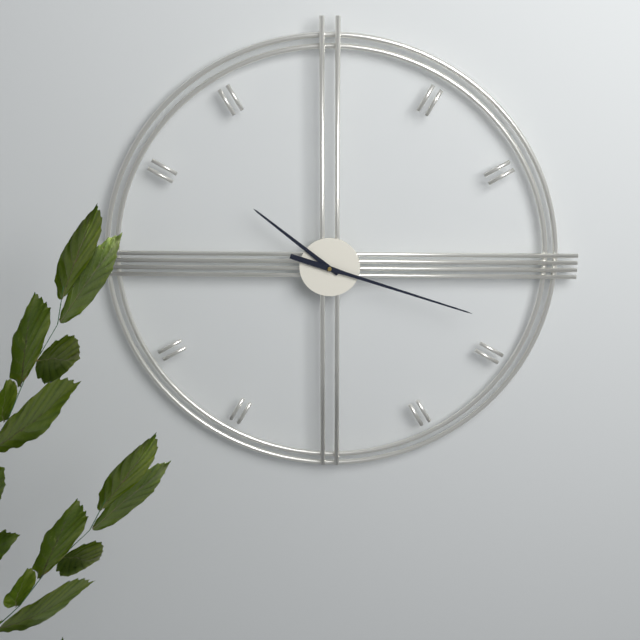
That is 10.18
